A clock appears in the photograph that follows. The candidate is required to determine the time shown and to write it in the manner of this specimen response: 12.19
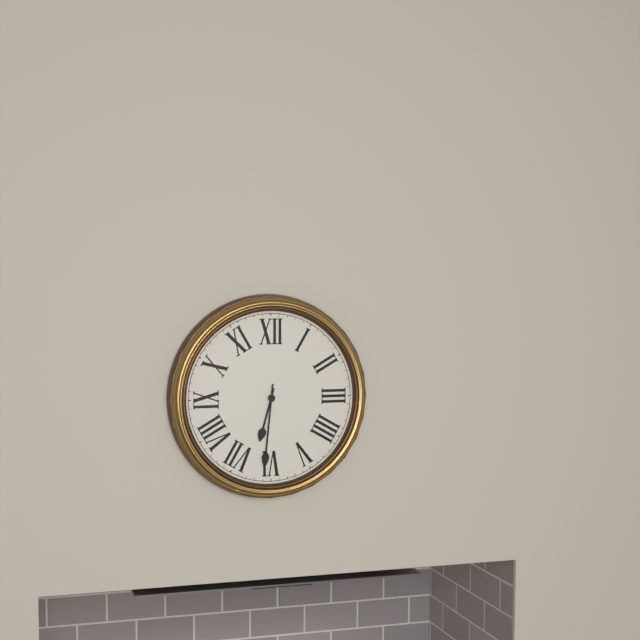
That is 6.31
